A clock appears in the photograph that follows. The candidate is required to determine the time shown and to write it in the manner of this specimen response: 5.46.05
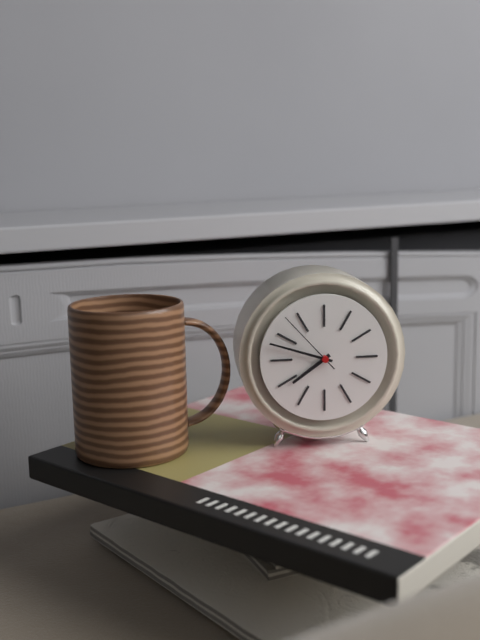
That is 7.48.53
